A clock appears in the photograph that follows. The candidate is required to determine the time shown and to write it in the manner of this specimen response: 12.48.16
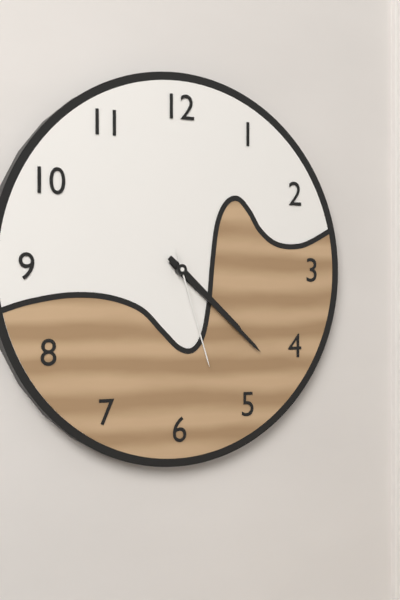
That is 4.22.27
